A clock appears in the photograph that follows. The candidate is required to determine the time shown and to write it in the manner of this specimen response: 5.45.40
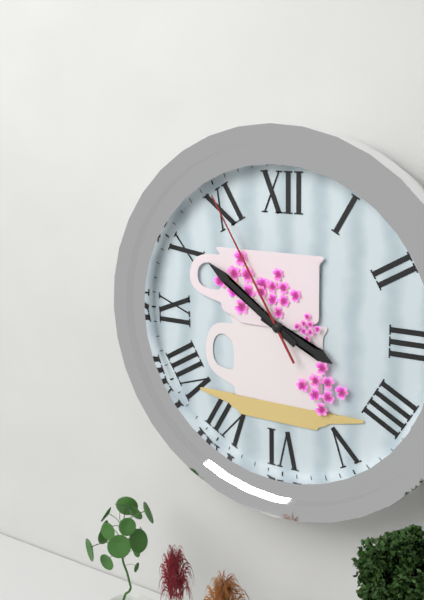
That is 3.51.55
